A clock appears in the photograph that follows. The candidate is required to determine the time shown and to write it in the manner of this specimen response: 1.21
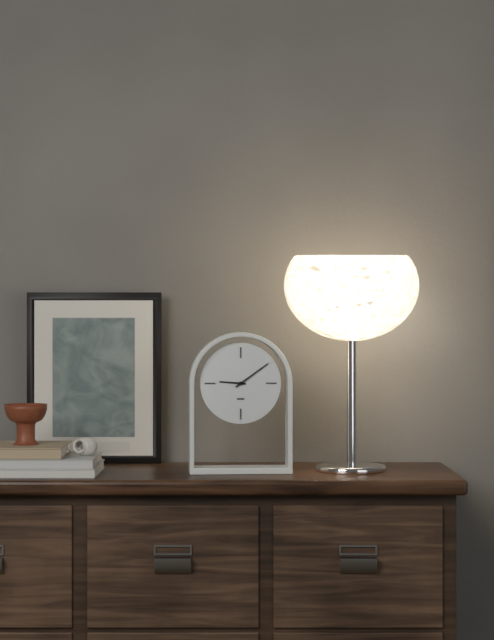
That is 9.09
